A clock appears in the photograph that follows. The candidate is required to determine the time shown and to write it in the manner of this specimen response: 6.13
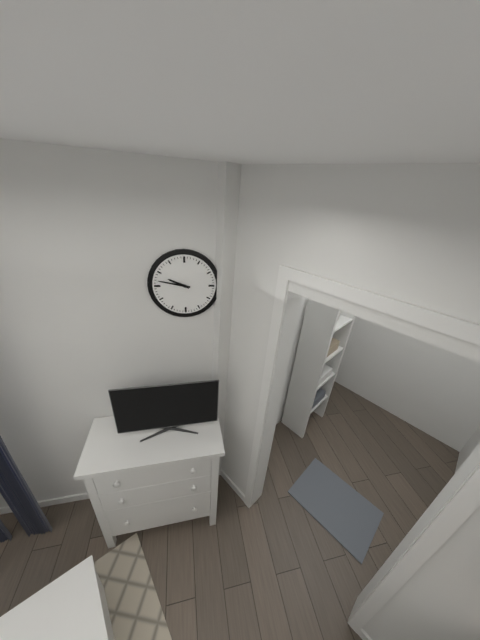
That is 9.47
